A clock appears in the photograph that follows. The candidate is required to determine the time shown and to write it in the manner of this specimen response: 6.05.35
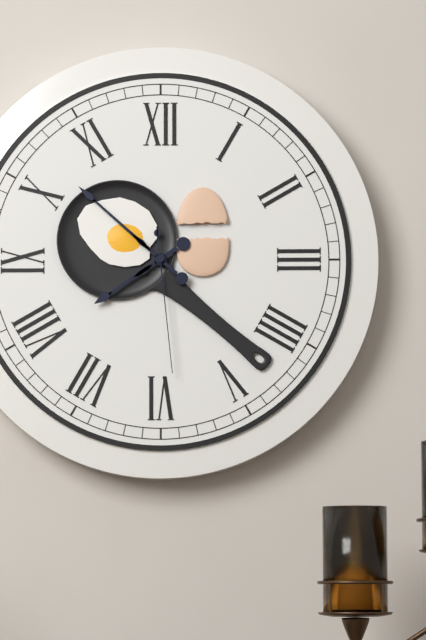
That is 7.52.29
